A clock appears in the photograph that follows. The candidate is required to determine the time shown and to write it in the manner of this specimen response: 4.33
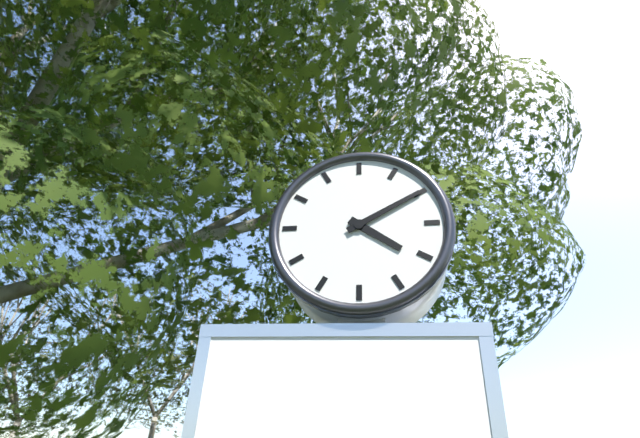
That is 4.10
